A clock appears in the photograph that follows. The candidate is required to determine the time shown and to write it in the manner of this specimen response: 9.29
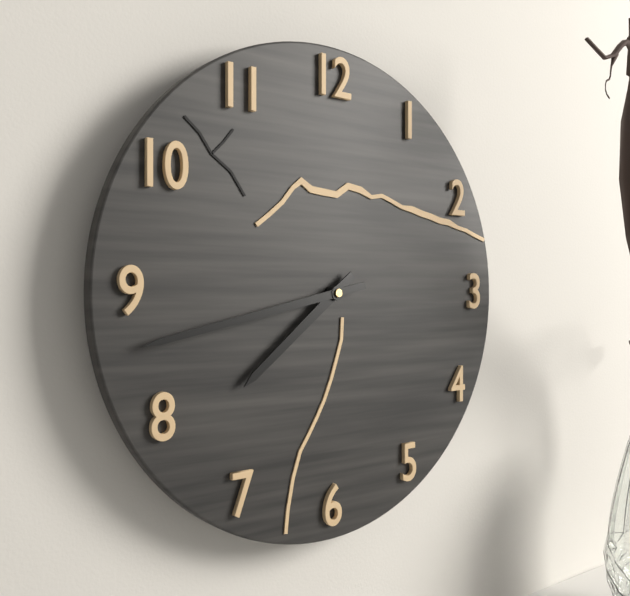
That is 7.43
